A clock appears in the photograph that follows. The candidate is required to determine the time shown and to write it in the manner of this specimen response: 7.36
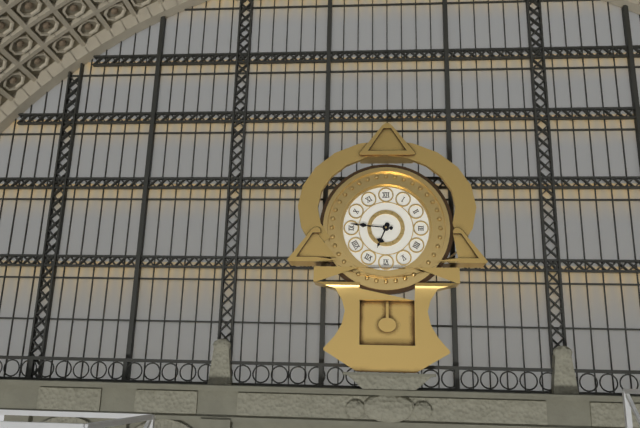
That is 6.46
